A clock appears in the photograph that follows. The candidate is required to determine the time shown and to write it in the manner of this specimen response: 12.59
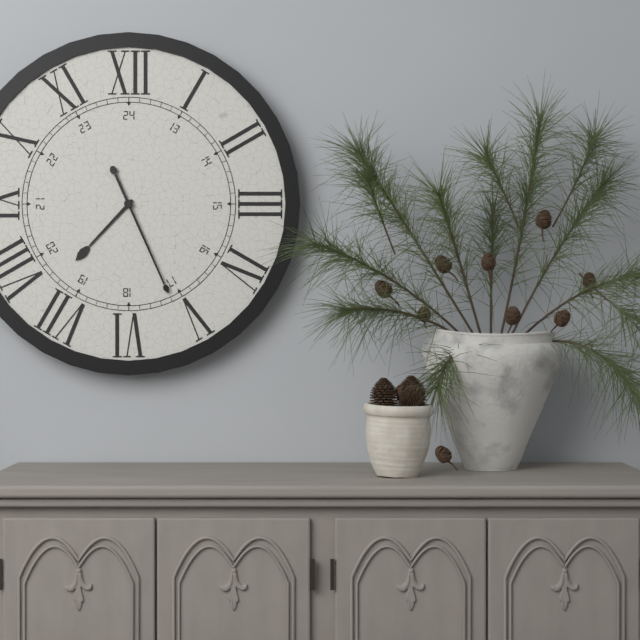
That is 7.26
